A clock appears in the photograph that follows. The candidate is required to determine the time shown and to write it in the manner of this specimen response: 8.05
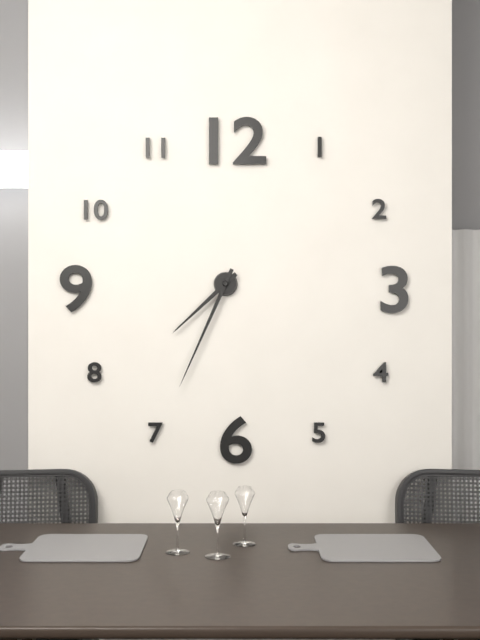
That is 7.34
